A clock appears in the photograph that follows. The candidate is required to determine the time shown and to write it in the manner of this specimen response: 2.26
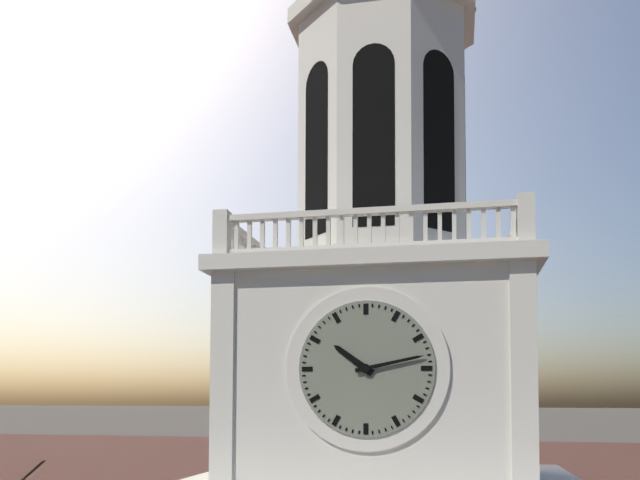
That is 10.13
